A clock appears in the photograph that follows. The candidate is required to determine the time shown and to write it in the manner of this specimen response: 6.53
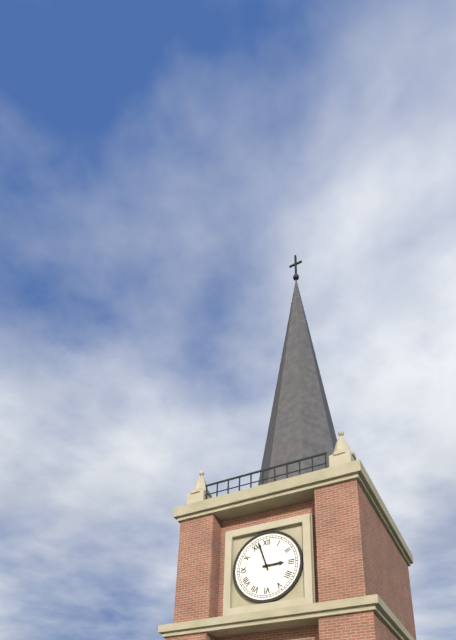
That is 2.57
